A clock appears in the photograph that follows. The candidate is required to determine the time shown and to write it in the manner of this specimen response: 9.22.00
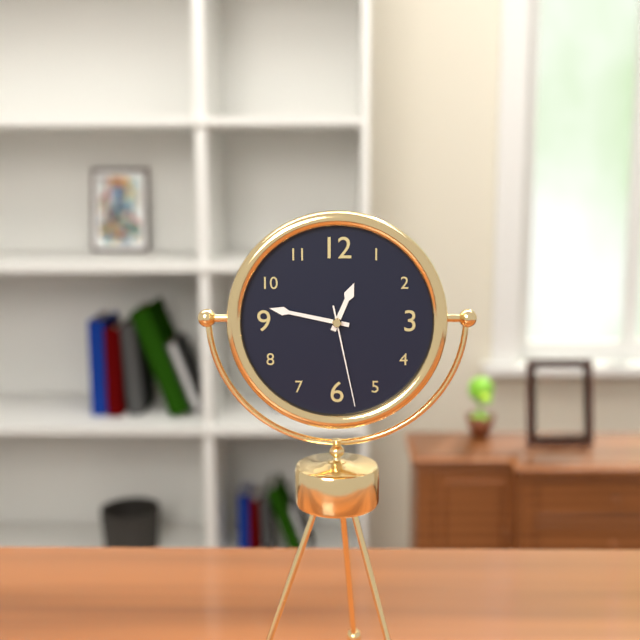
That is 12.47.28
